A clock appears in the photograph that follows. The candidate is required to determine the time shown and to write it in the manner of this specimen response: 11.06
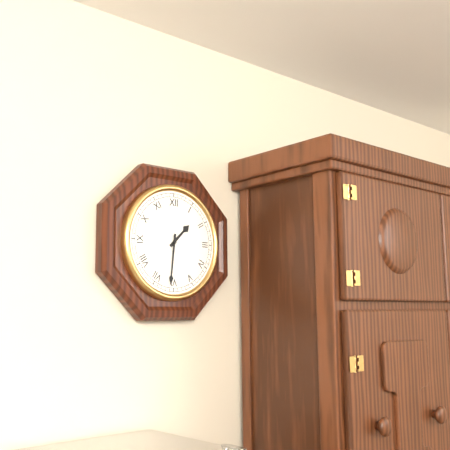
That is 1.31
